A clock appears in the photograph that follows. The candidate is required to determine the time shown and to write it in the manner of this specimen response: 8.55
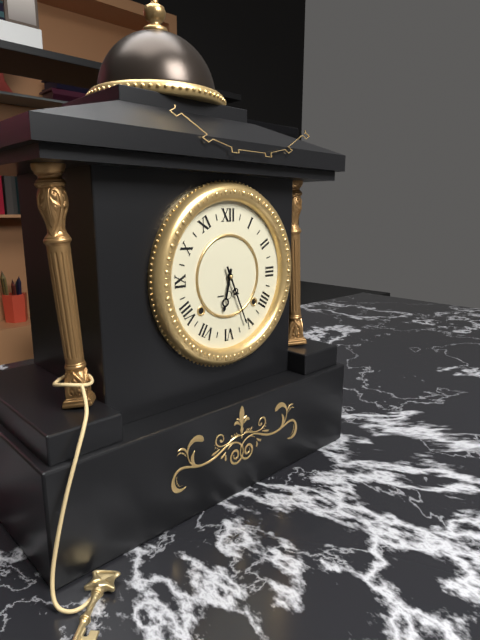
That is 6.26
